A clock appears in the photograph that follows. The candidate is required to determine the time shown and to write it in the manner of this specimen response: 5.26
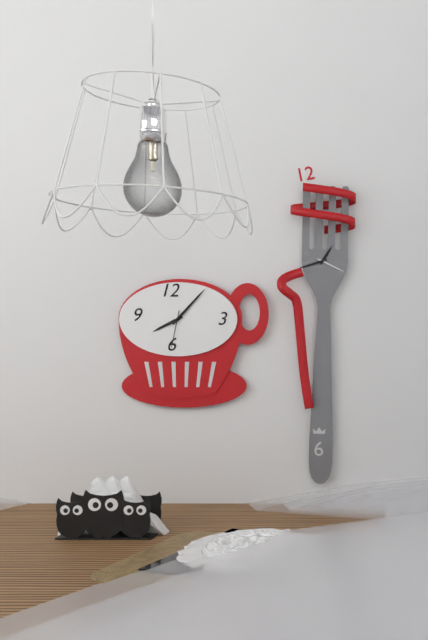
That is 8.07
